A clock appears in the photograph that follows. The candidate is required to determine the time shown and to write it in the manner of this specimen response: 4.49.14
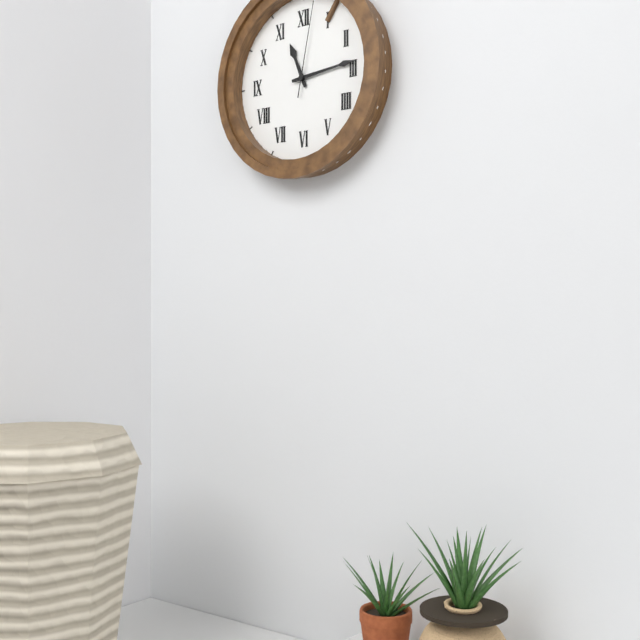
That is 11.14.02
